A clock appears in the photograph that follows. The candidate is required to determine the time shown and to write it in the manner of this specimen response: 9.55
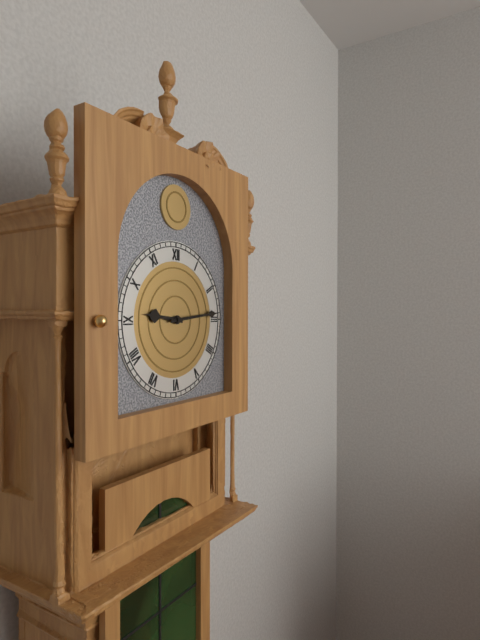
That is 9.14
